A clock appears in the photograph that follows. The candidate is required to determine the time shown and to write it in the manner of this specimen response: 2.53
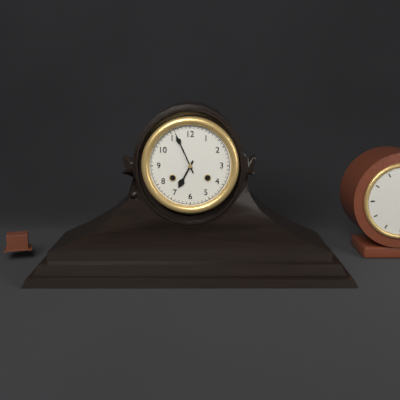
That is 6.56
